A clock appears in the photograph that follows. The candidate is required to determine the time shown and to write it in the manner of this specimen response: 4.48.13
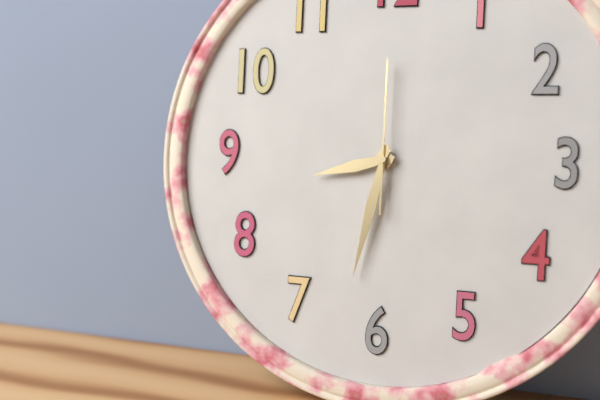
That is 8.32.00
